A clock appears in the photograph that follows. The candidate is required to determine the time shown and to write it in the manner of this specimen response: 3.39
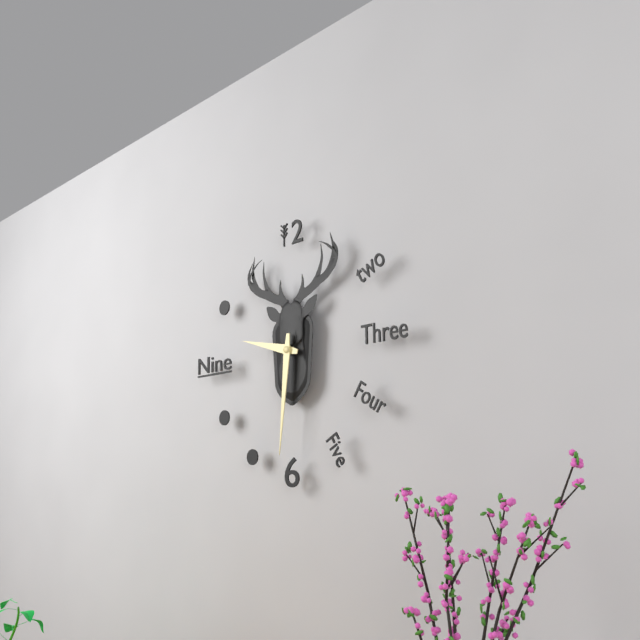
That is 9.31
